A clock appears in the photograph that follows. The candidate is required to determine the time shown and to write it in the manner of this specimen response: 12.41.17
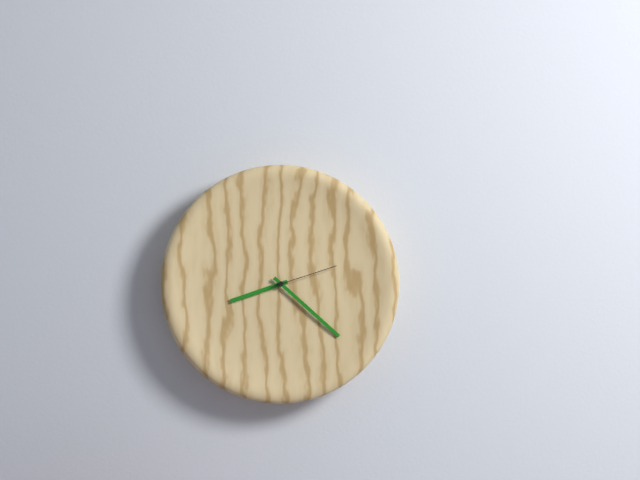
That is 8.22.12
